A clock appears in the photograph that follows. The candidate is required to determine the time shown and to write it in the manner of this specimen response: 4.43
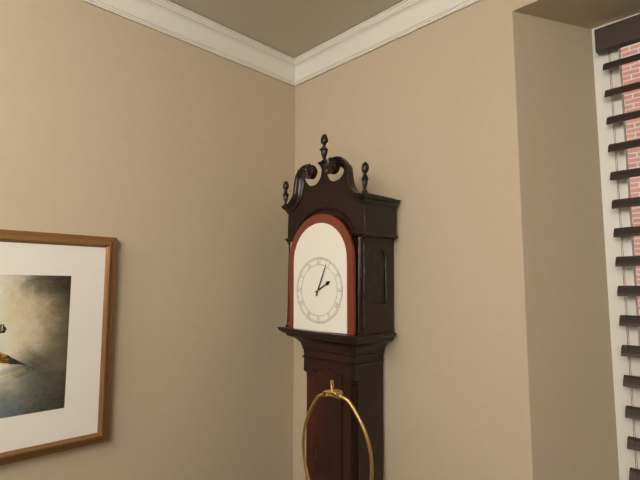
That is 2.04
